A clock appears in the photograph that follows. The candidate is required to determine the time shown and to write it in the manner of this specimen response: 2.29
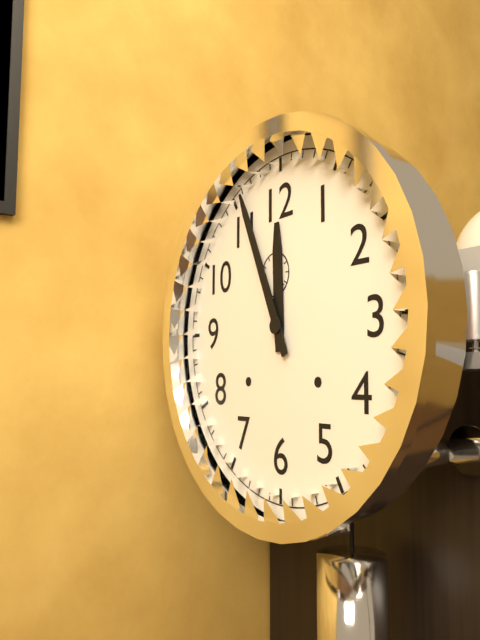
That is 11.56
